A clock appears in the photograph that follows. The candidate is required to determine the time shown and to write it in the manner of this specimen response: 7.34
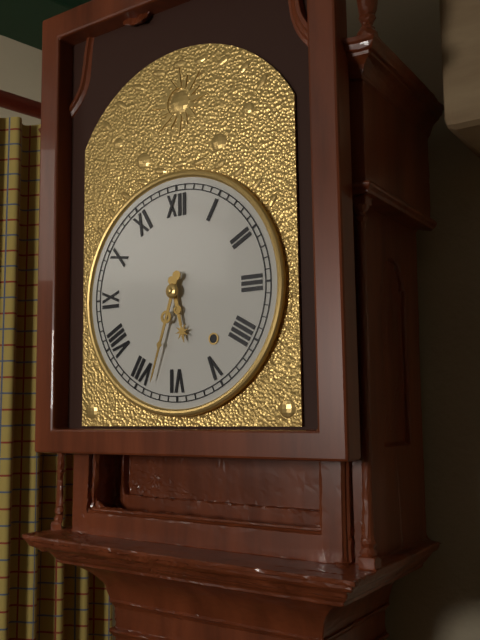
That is 5.33
